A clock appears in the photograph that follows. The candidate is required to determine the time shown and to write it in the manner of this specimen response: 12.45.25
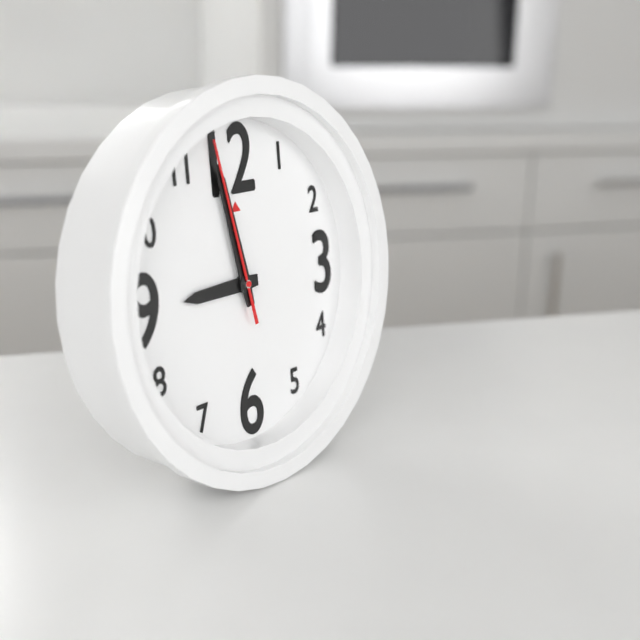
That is 8.58.58
